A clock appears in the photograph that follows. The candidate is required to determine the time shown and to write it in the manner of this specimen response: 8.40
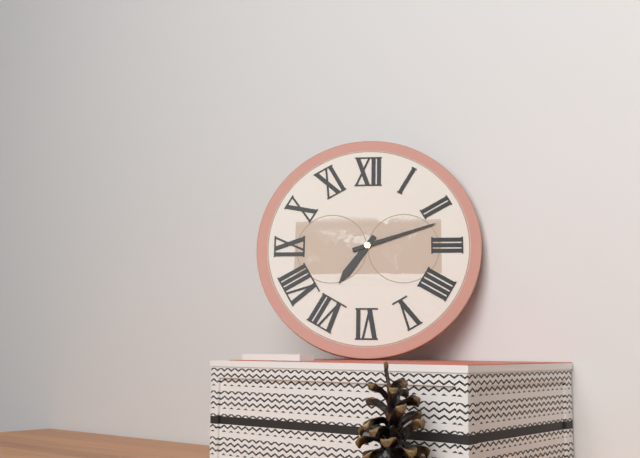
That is 7.12
